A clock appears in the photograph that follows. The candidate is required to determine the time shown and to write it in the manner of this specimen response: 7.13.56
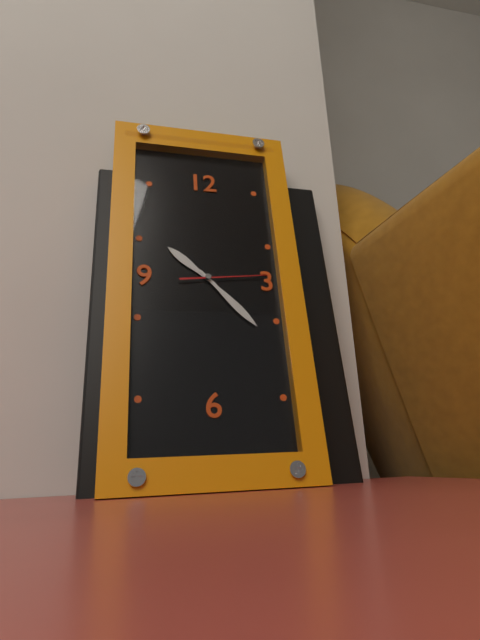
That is 10.23.14
